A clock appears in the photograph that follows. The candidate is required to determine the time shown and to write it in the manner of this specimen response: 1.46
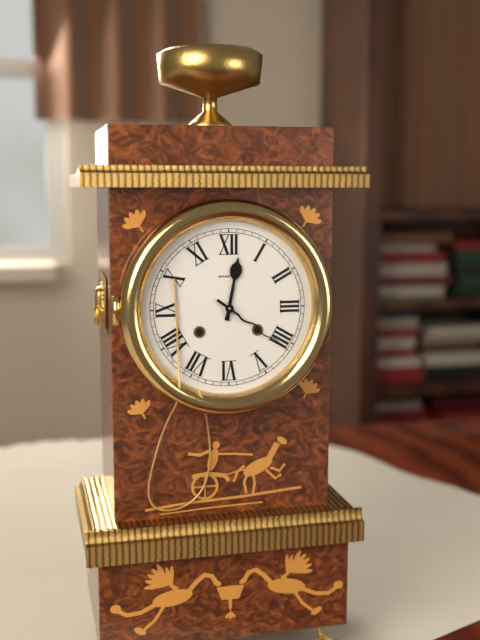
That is 12.21
